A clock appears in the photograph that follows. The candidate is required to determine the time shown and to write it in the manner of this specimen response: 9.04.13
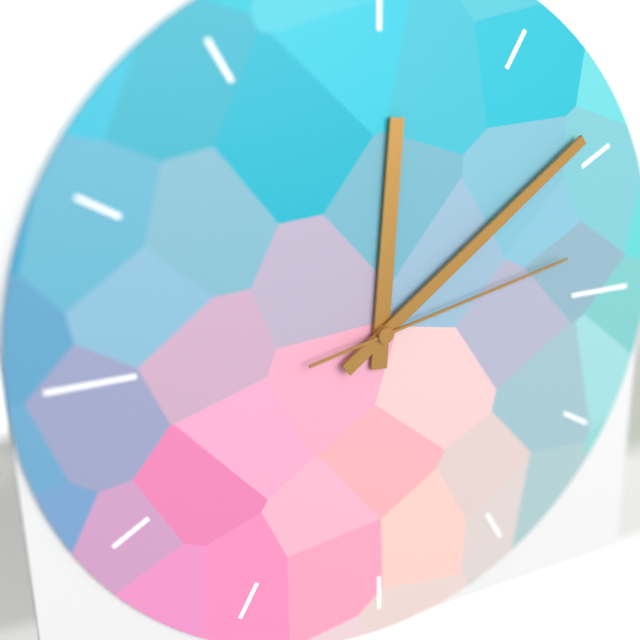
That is 12.09.13
